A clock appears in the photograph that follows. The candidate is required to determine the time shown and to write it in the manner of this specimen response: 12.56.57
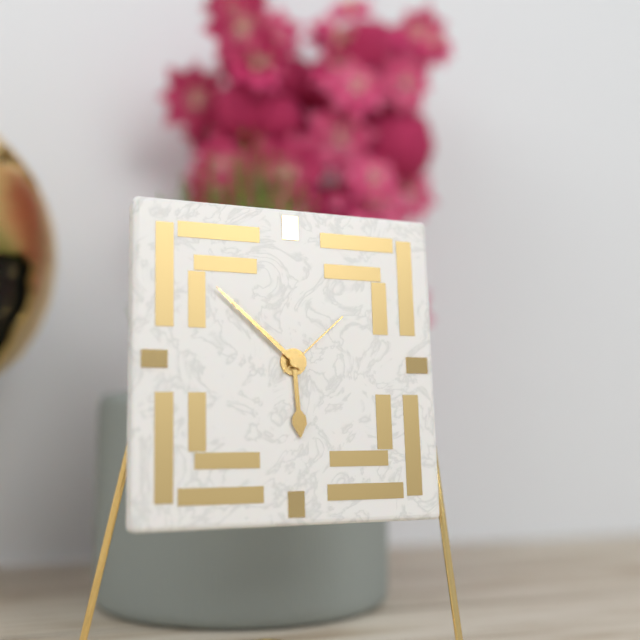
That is 5.52.08
